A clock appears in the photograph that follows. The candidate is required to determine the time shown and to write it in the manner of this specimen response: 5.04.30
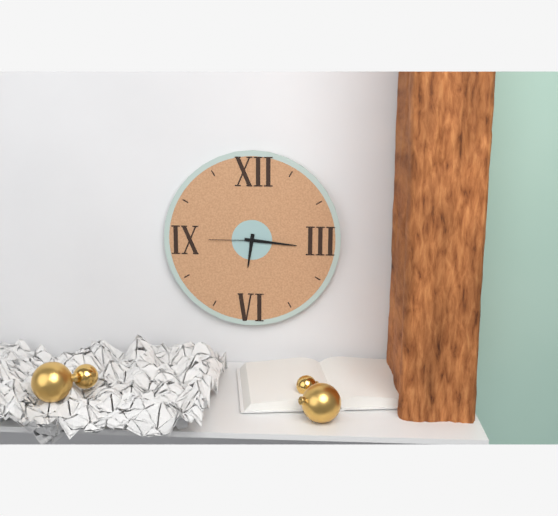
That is 6.16.45
